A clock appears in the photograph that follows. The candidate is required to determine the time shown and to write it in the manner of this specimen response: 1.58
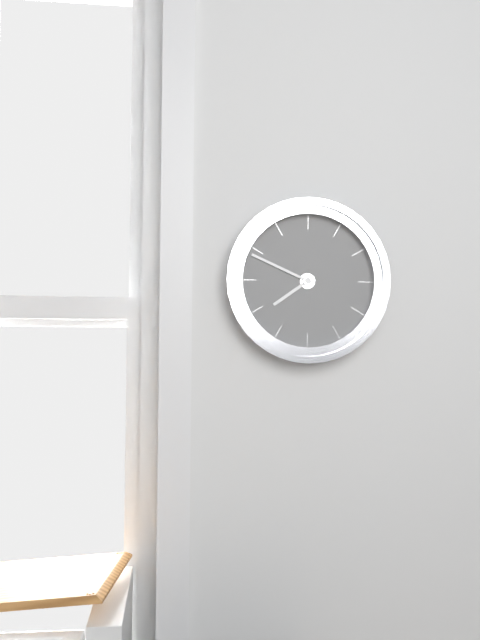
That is 7.49
